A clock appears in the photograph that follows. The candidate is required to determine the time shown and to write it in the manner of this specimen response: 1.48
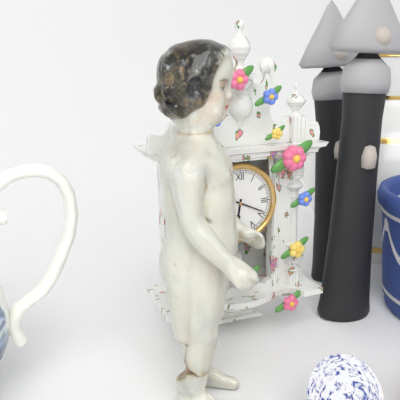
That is 6.19
